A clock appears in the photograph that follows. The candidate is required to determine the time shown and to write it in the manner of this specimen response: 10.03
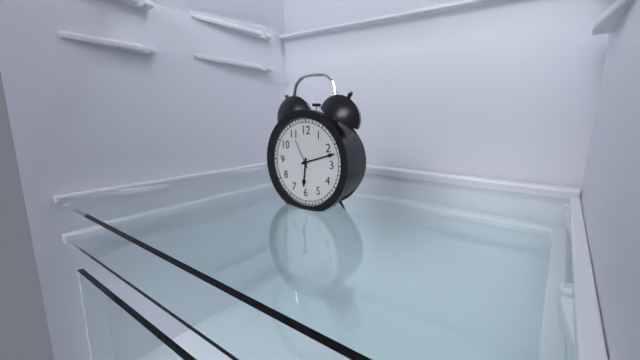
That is 6.12
